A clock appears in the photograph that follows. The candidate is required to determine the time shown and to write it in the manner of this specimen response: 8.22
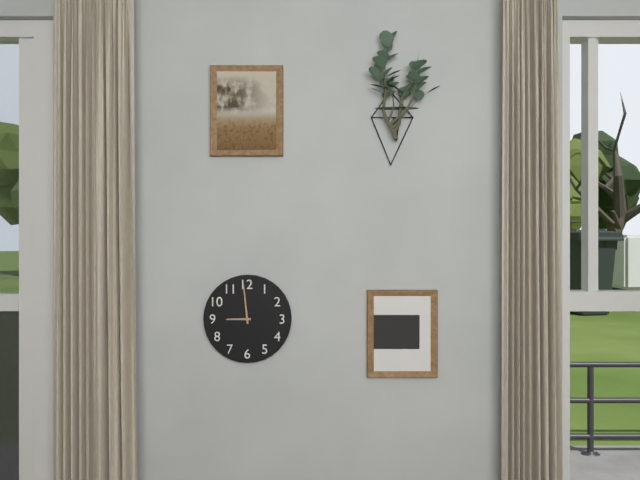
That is 8.59
